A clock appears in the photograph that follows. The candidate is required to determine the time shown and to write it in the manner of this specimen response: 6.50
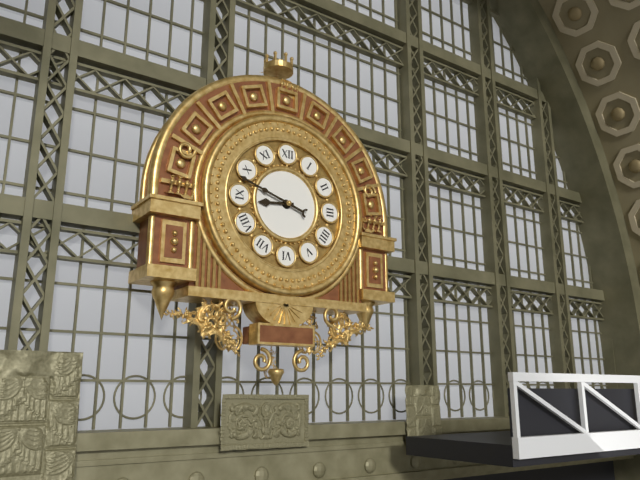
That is 8.48
